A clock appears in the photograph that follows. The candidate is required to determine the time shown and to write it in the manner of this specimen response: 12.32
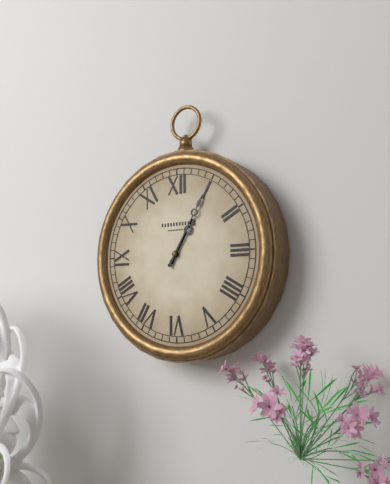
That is 1.05
